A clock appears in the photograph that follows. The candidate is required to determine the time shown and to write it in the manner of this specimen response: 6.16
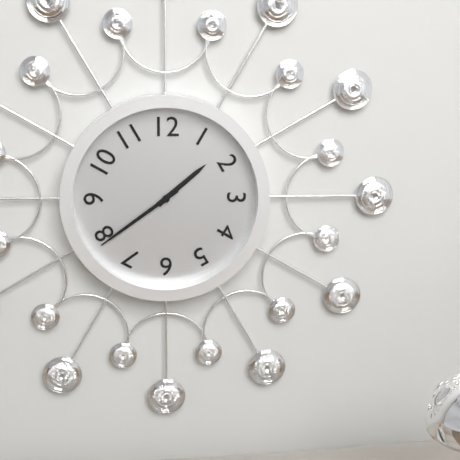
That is 1.39
